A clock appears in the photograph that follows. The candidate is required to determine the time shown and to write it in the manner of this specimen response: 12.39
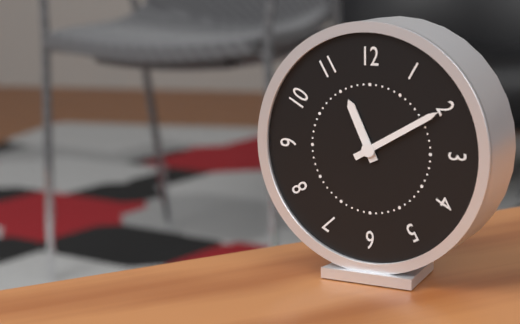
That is 11.10
